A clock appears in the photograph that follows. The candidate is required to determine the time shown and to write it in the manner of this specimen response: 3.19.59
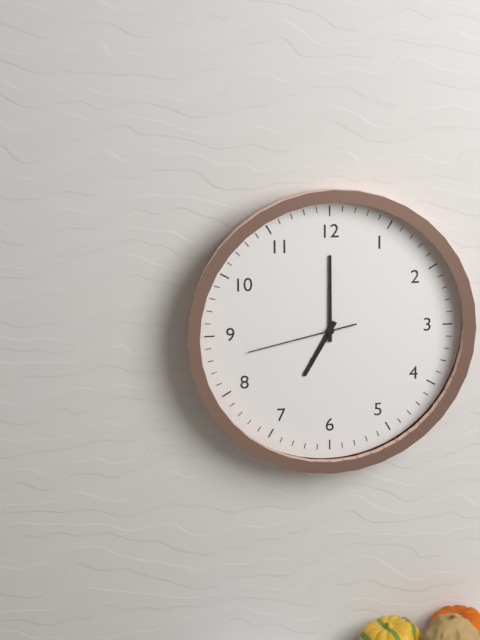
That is 7.00.43
